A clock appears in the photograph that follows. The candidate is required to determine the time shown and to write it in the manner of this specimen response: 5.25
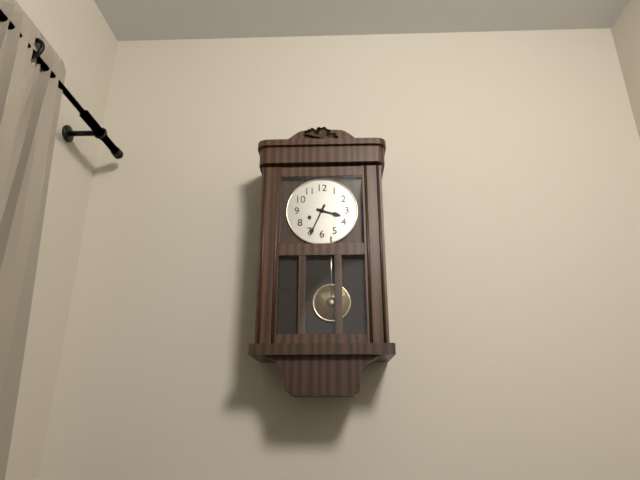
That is 3.34
